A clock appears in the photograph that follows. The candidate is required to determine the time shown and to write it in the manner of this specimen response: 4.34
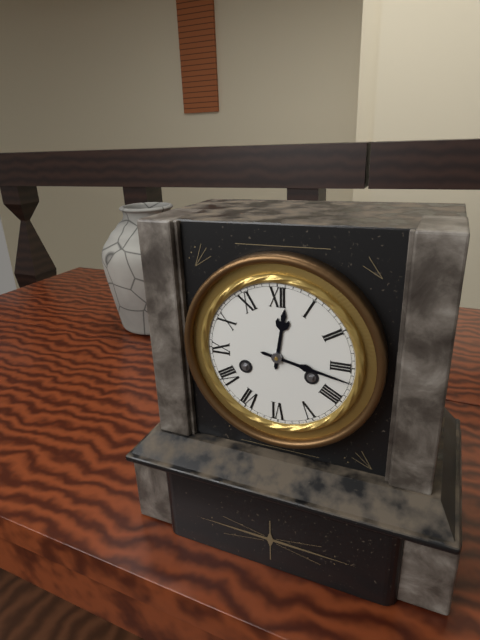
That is 12.17
